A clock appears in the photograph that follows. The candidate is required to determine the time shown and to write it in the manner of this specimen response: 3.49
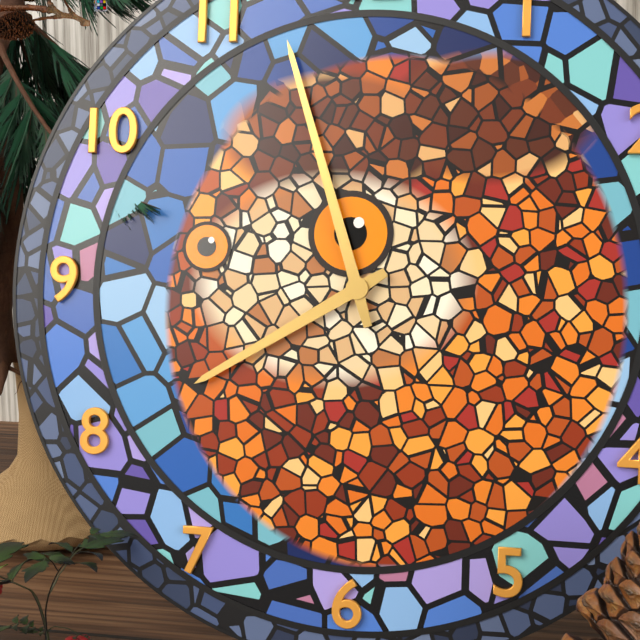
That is 7.57
